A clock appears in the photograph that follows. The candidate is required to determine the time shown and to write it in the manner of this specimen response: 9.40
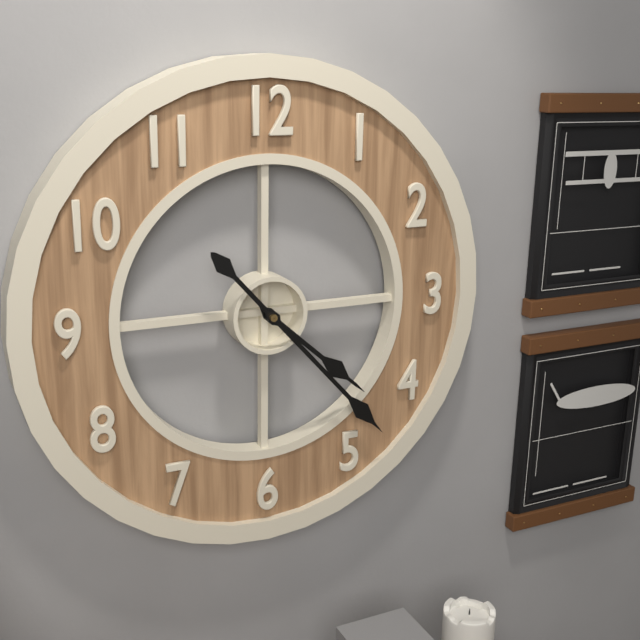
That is 4.23
